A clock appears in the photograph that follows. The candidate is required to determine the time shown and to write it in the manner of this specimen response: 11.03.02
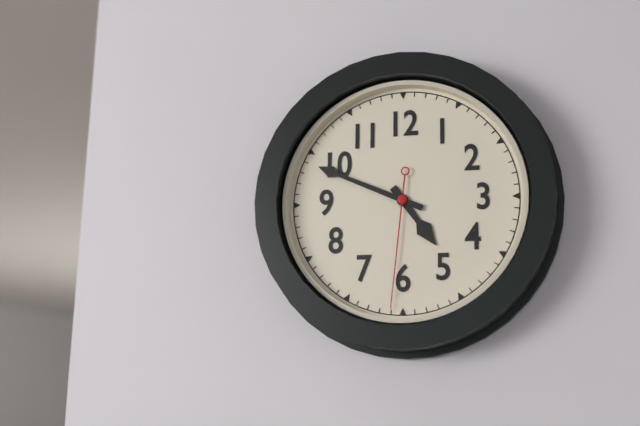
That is 4.49.31
